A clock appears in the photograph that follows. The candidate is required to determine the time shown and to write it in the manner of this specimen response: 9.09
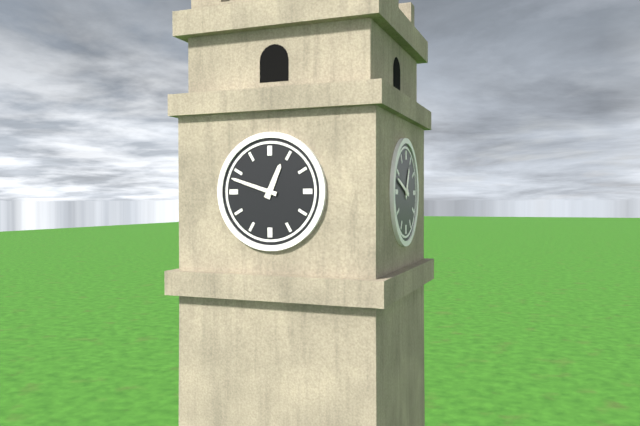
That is 12.48
